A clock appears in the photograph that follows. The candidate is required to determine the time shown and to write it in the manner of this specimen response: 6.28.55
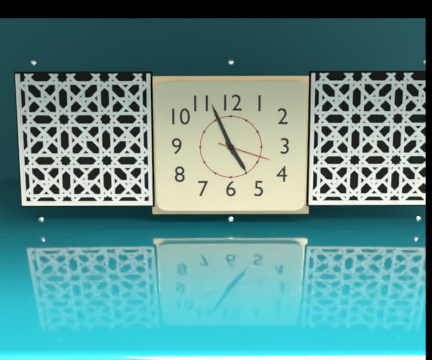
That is 4.56.18
